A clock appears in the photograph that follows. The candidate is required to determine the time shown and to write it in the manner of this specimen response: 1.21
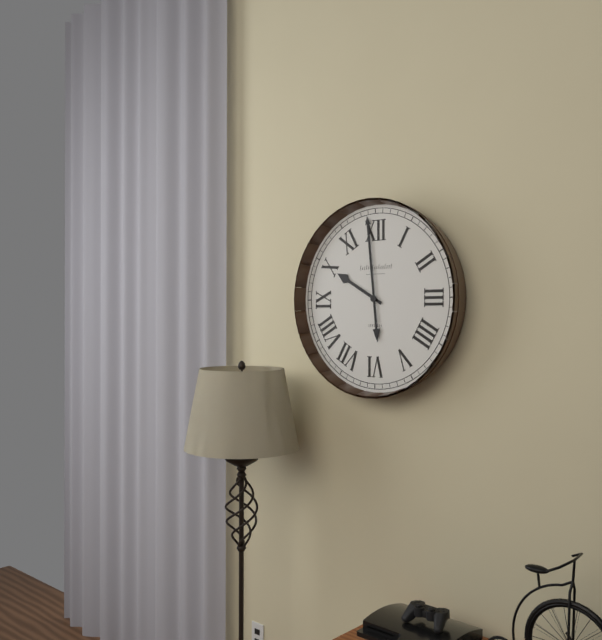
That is 9.59
